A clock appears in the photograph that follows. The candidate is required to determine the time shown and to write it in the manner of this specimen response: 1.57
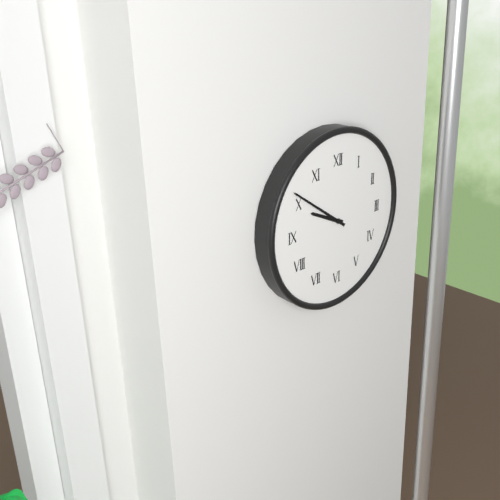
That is 9.51
